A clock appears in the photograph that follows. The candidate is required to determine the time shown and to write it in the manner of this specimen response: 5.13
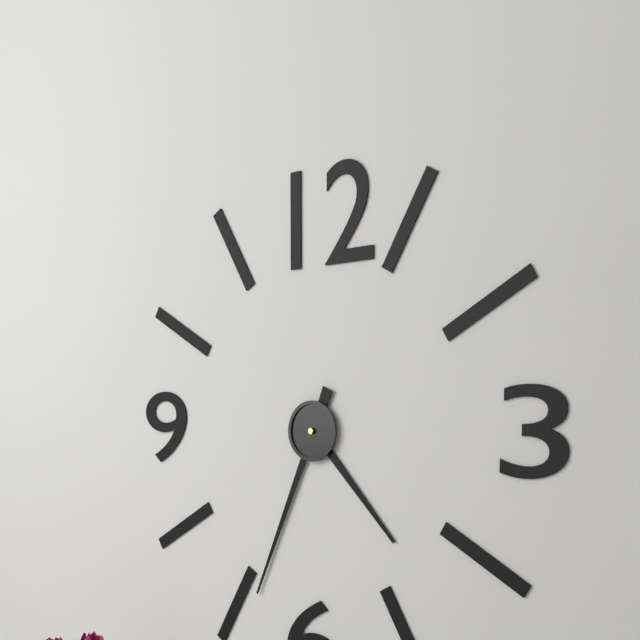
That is 4.34
